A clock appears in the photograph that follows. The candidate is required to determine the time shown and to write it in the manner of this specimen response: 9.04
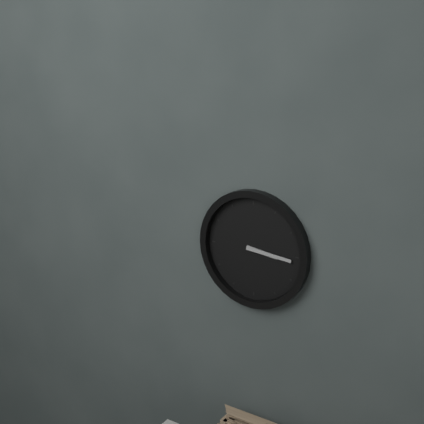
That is 3.16
